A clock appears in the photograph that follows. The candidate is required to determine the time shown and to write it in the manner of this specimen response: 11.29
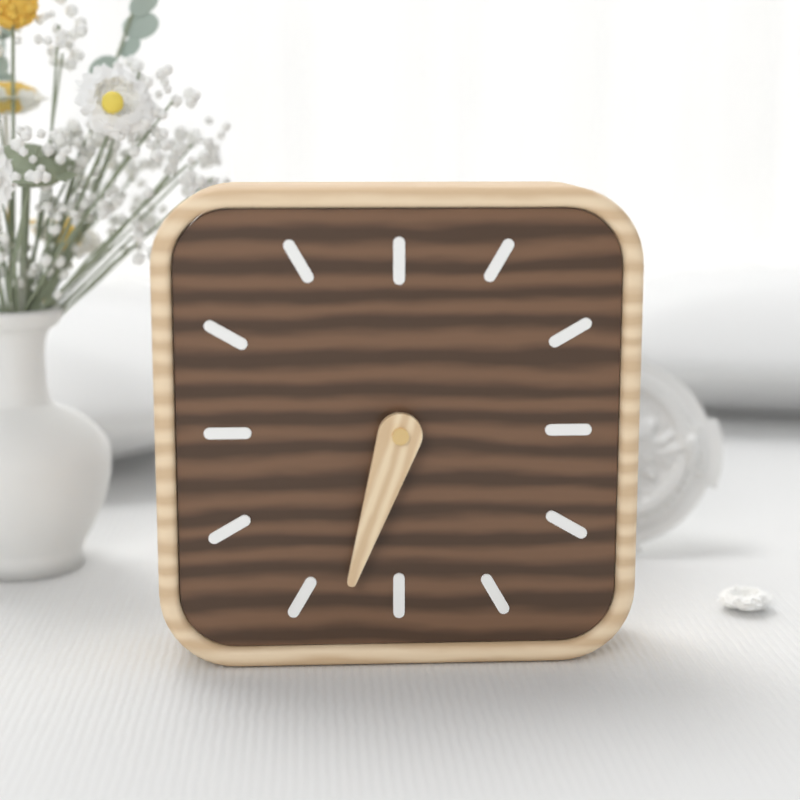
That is 6.33
